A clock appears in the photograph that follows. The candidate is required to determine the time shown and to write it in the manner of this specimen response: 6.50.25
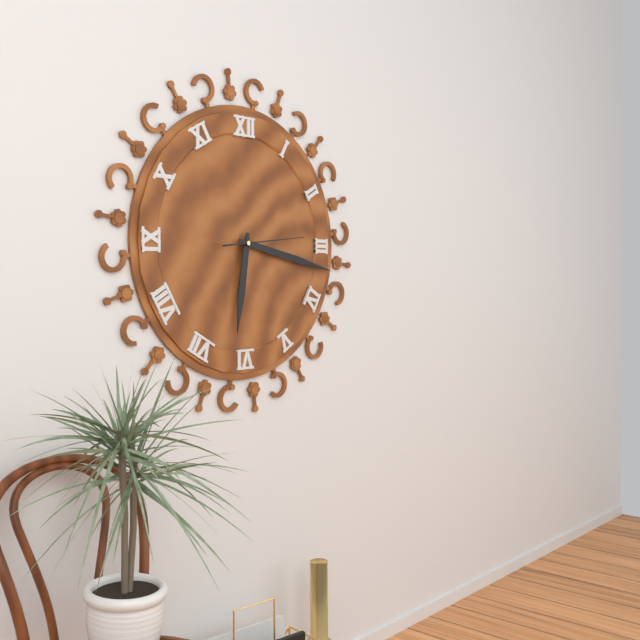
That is 6.17.14
